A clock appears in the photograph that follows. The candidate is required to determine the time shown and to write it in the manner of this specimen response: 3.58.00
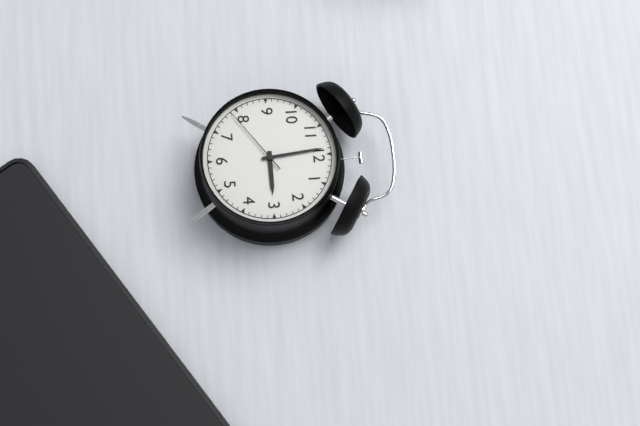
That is 2.59.39
